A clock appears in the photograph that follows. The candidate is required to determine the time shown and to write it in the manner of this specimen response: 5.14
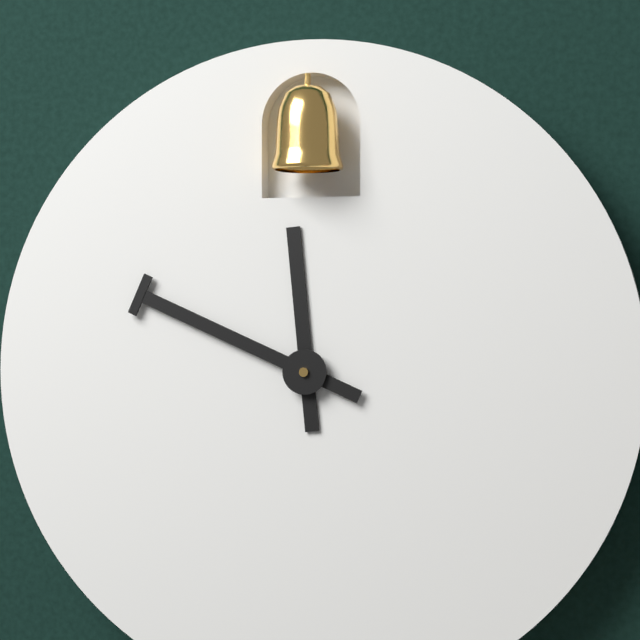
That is 11.49
